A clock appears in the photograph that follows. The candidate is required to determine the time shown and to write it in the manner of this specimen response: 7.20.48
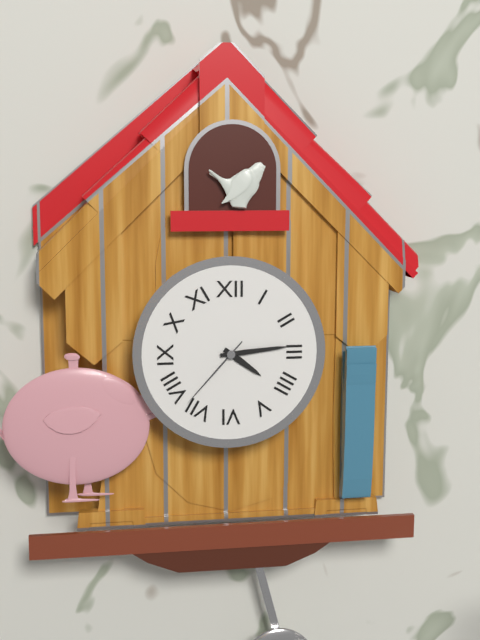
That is 4.14.37
